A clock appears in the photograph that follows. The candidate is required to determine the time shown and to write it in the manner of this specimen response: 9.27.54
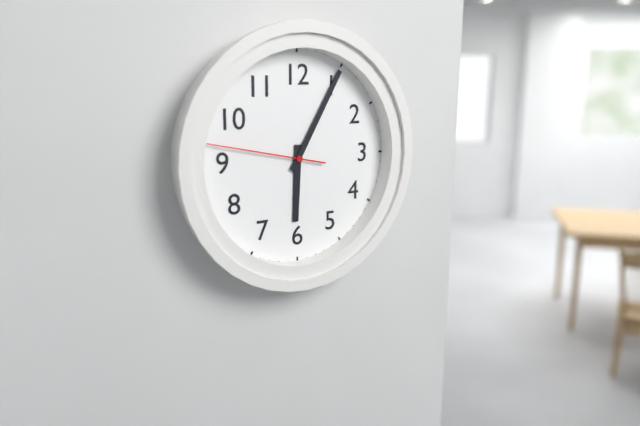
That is 6.05.47
